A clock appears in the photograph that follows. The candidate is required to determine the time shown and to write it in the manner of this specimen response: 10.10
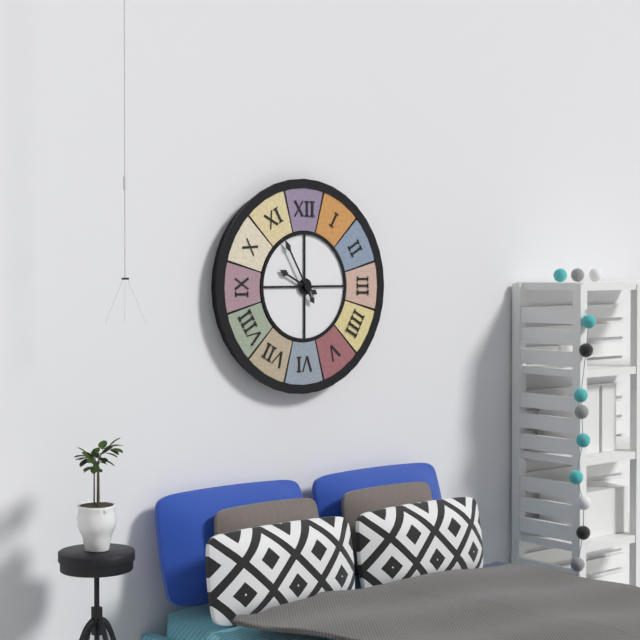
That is 9.55
